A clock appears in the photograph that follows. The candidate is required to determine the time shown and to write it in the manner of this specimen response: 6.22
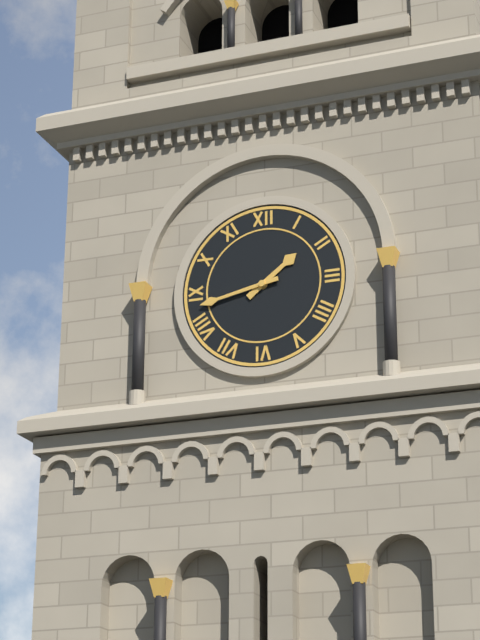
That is 1.43
